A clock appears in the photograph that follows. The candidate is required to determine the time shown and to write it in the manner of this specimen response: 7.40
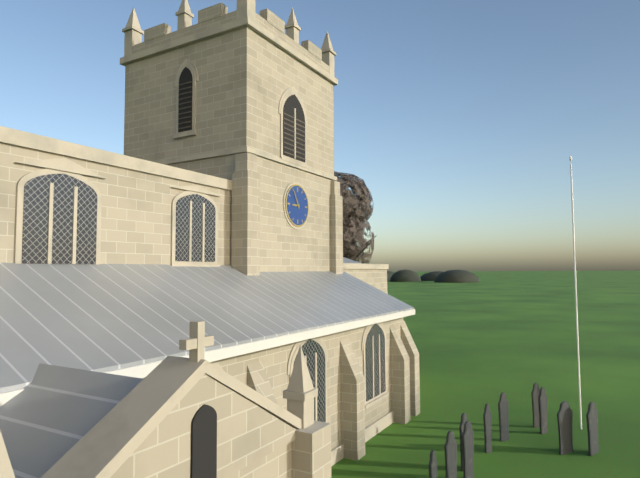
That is 8.55
